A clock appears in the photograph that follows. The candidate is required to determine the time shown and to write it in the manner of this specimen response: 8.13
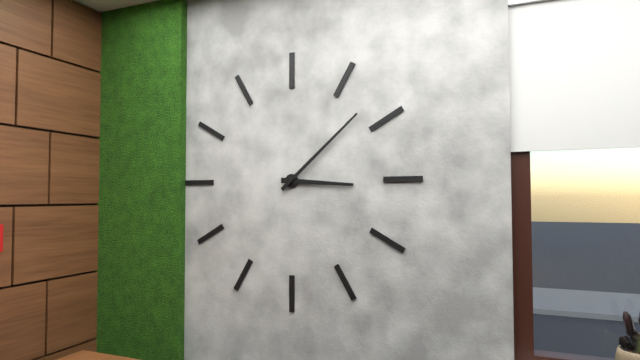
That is 3.08
